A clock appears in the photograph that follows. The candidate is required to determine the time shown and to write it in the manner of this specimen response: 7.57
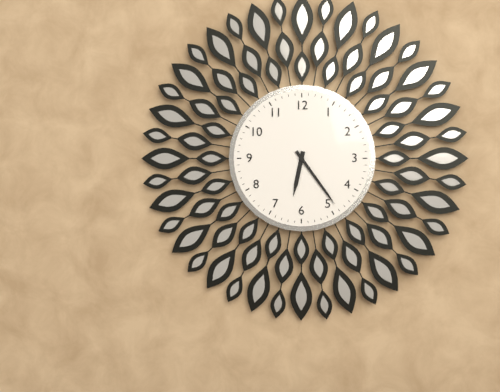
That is 6.24
